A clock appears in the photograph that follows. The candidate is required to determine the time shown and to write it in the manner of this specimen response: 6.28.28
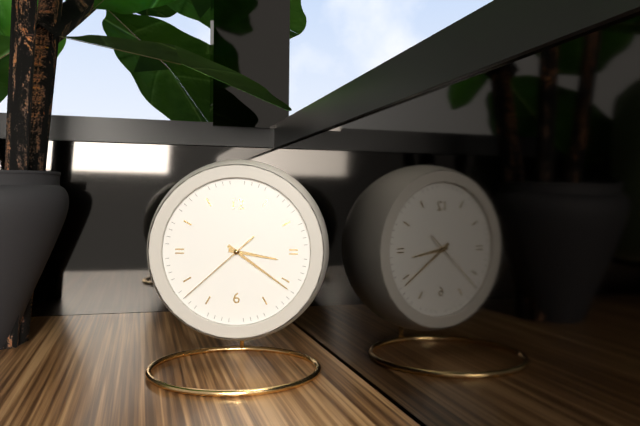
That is 3.21.38
